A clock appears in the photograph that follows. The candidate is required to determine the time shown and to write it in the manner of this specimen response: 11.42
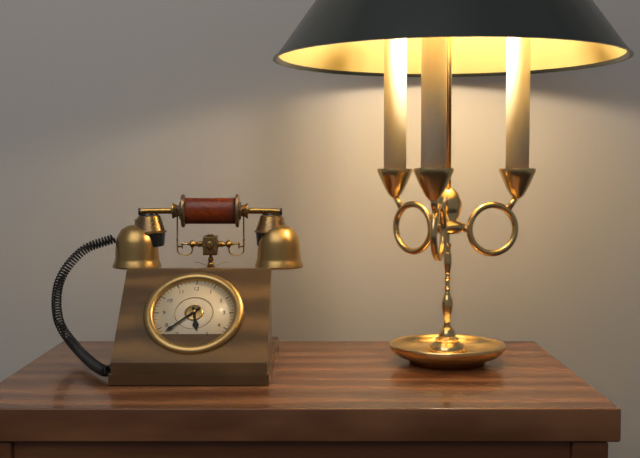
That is 5.38
